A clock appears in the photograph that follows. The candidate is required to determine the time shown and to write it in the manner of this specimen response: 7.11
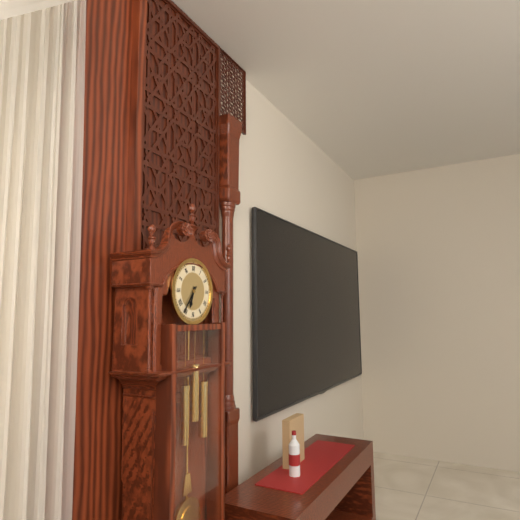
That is 6.36
